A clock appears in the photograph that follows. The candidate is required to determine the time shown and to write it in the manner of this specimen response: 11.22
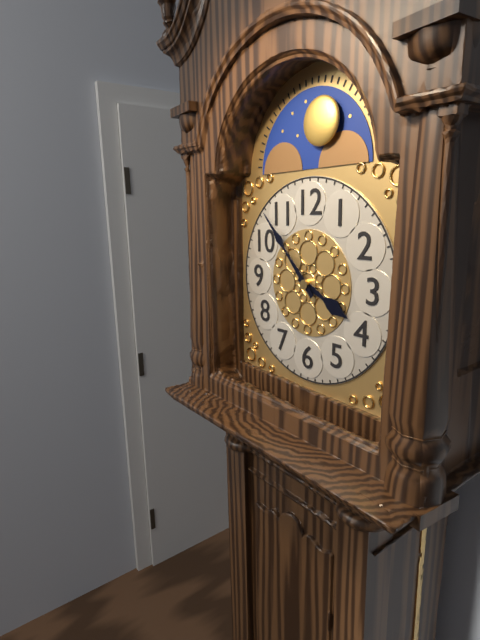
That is 3.53
